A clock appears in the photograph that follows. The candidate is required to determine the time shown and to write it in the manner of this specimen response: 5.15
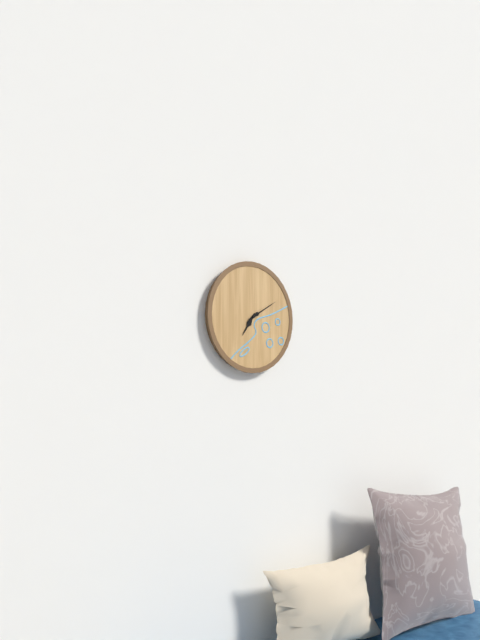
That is 7.10
